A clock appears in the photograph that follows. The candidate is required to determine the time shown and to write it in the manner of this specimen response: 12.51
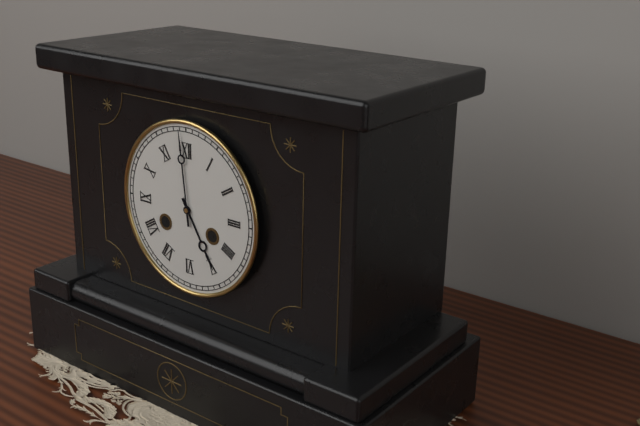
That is 4.59
